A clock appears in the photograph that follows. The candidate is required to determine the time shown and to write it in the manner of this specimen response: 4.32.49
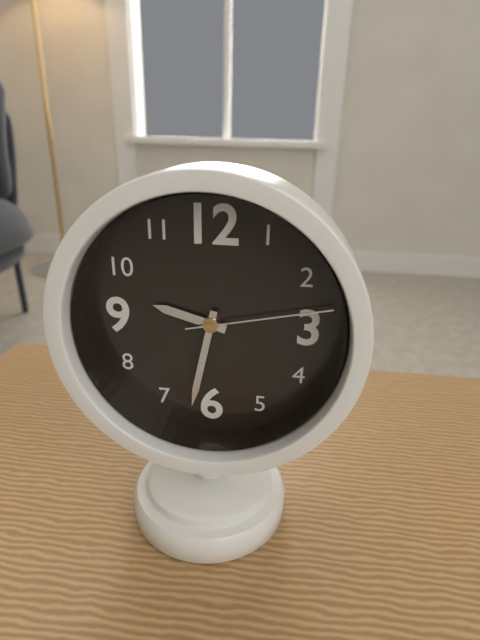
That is 9.32.13
